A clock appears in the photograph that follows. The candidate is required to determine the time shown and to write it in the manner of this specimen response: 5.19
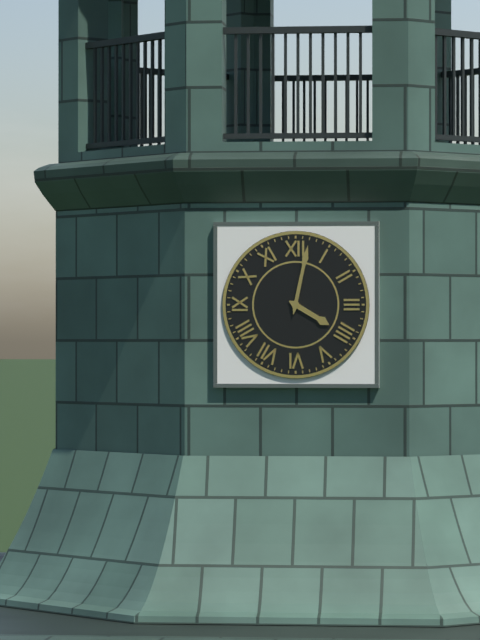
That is 4.02
